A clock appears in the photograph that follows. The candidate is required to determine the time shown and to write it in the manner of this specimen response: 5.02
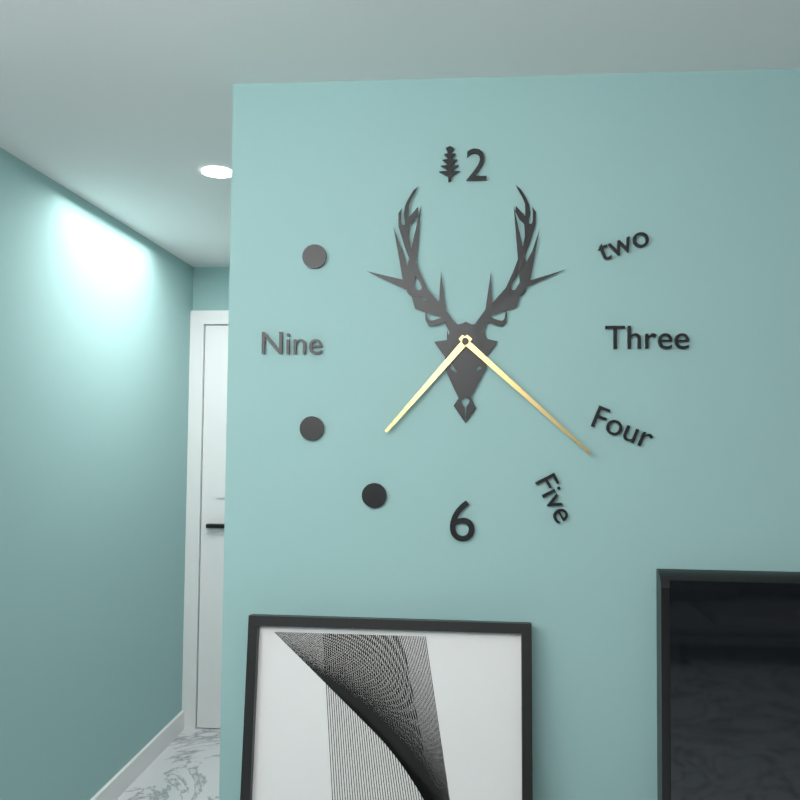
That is 7.22
